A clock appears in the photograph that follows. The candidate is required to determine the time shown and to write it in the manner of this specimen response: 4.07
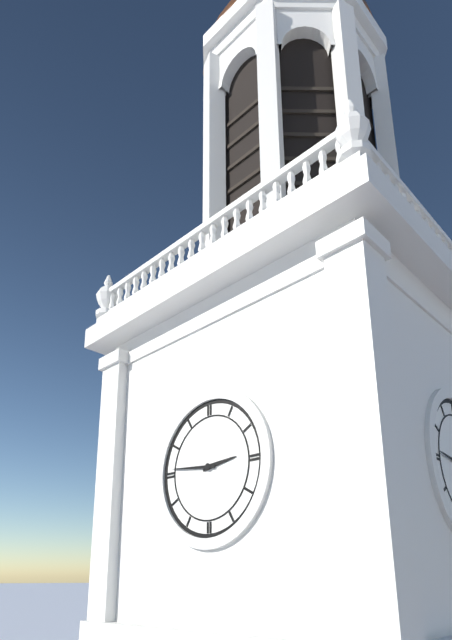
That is 2.46
